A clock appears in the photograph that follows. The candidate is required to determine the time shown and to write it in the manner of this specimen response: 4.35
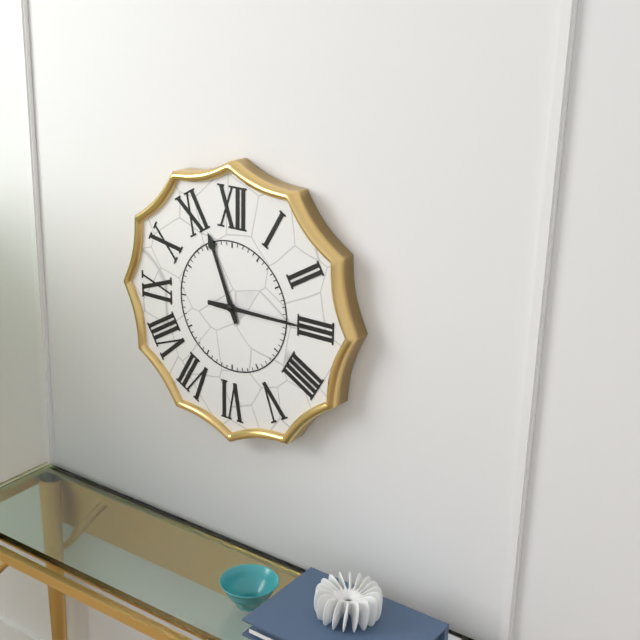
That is 11.15
